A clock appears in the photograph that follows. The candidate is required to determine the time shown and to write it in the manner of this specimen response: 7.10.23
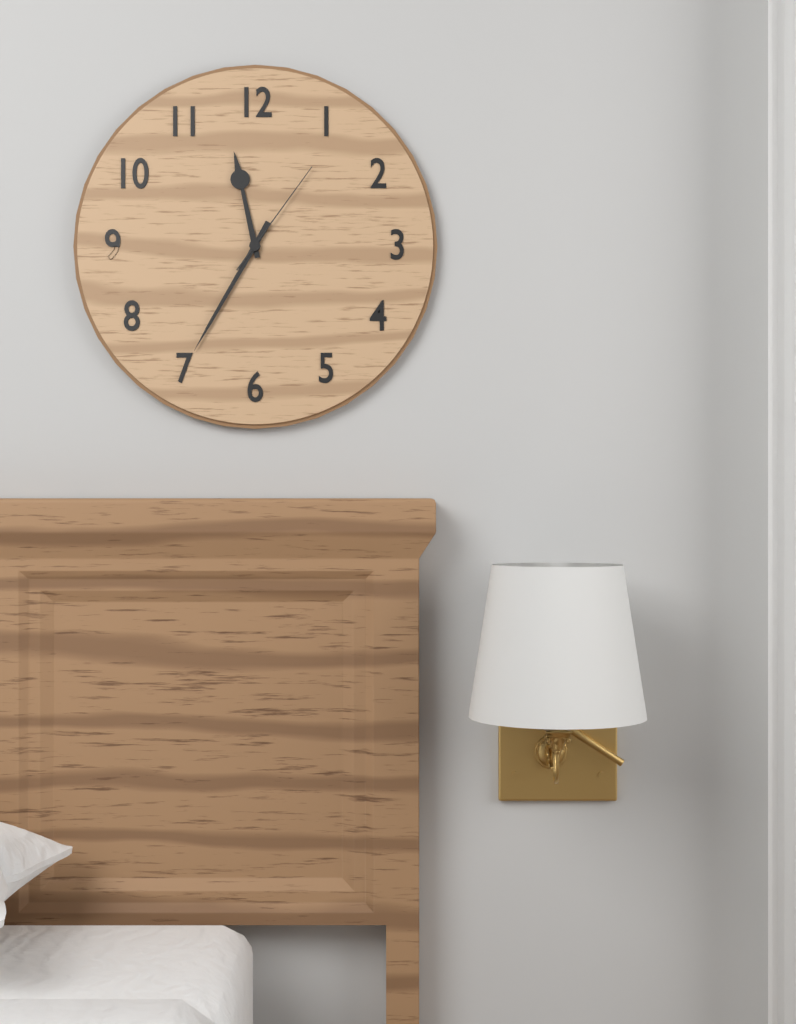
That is 11.35.06
